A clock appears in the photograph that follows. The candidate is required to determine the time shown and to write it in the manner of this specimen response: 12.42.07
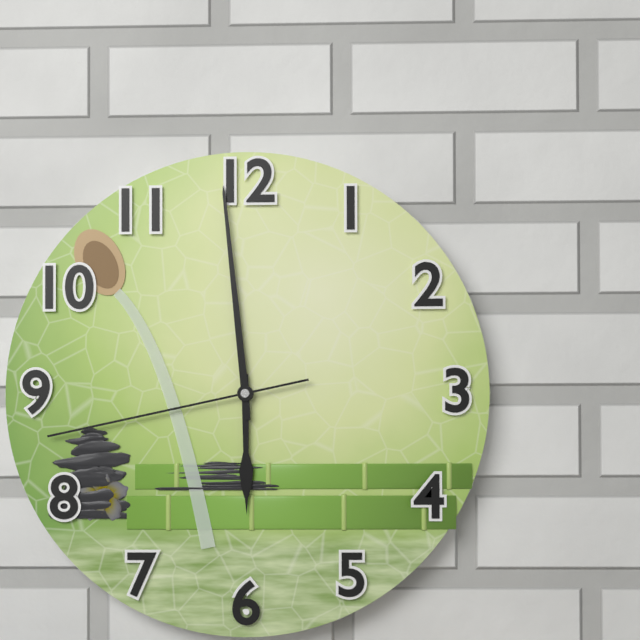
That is 5.59.43
